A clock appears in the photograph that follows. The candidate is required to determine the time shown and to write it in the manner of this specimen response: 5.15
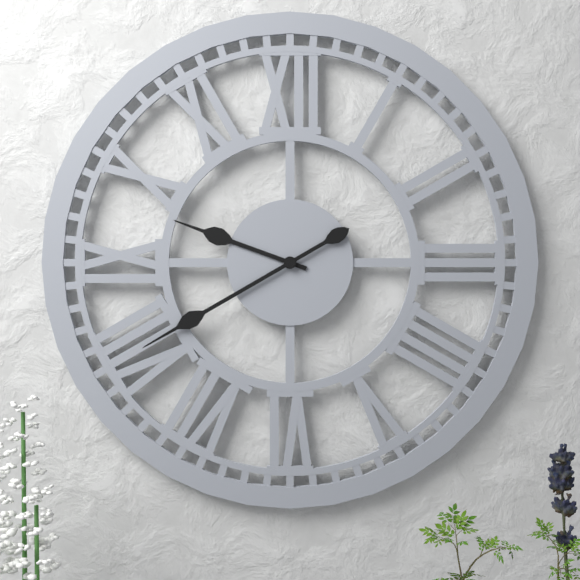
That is 9.40
